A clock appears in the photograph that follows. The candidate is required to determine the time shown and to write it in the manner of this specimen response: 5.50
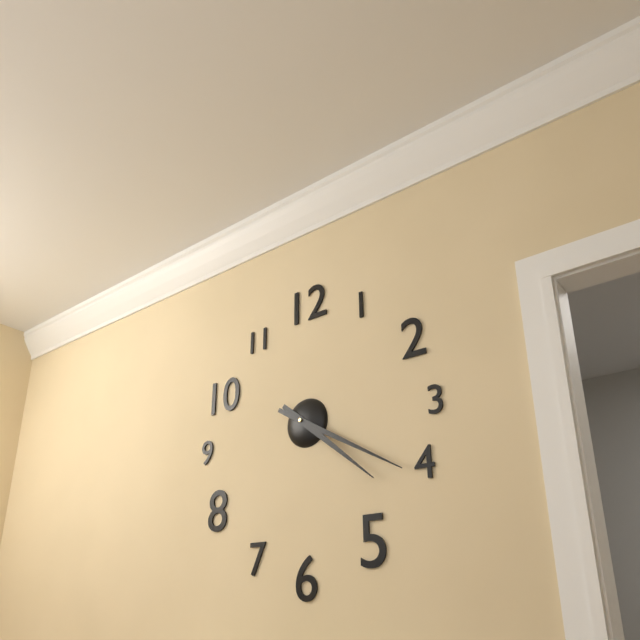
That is 4.20
